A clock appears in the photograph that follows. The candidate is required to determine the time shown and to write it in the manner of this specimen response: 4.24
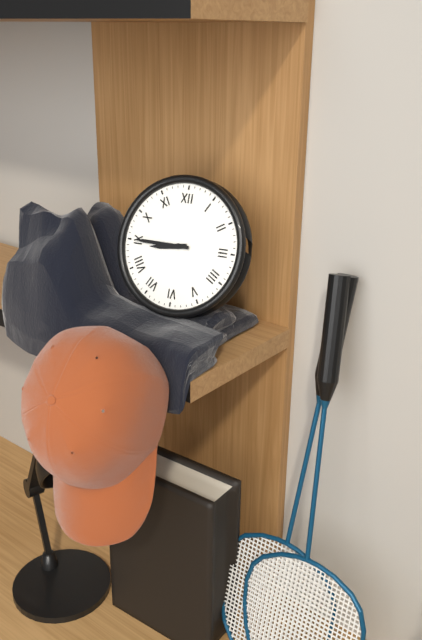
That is 8.45
